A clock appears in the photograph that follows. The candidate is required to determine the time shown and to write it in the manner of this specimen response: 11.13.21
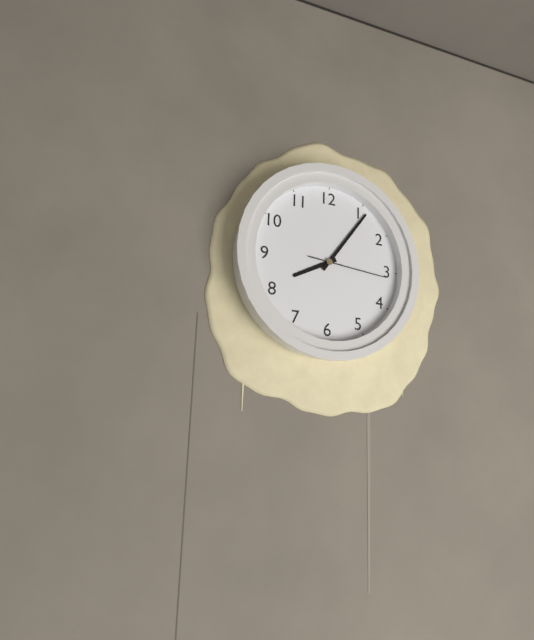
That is 8.06.16
